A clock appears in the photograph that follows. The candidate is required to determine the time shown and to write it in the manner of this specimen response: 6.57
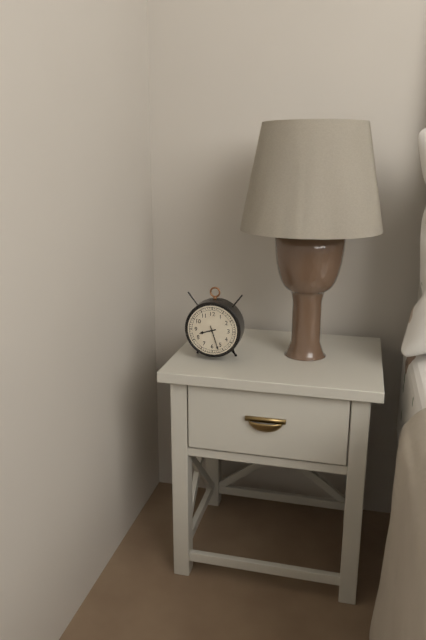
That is 8.27
